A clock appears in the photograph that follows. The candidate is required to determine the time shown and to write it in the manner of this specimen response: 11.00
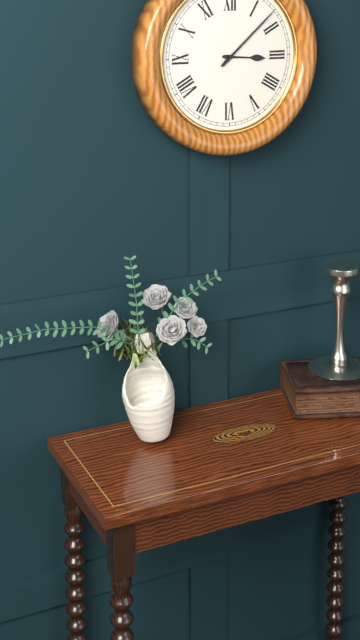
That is 3.08
